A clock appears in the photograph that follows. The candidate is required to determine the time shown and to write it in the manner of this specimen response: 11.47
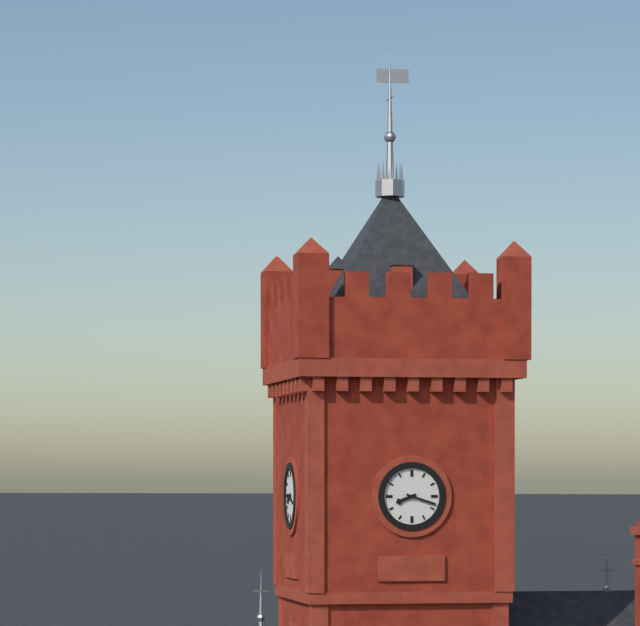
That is 8.18
